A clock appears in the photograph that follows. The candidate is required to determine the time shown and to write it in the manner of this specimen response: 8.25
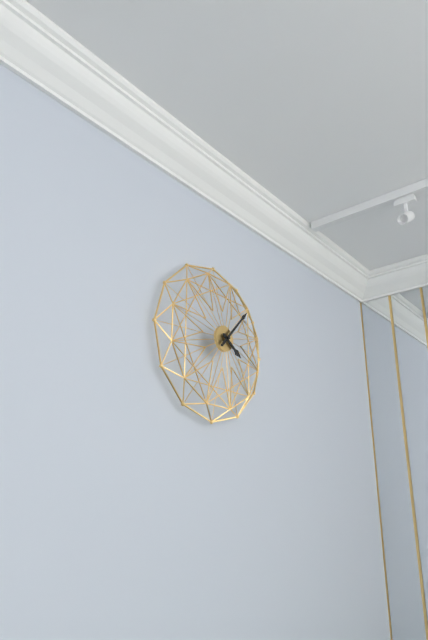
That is 4.07
